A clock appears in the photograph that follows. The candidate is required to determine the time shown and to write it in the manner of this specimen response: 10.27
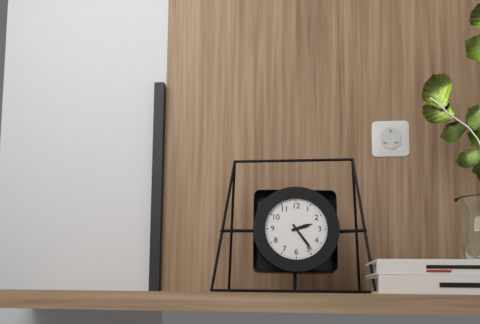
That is 2.24
